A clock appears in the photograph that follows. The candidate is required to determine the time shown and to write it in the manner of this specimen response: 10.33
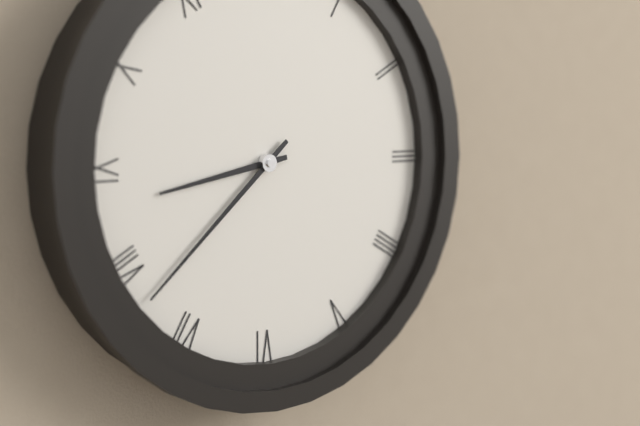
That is 8.38
